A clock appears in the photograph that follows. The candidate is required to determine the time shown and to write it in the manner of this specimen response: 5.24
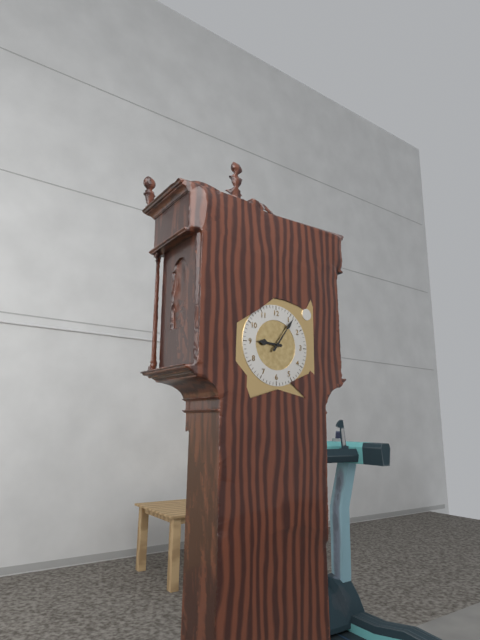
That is 9.06
